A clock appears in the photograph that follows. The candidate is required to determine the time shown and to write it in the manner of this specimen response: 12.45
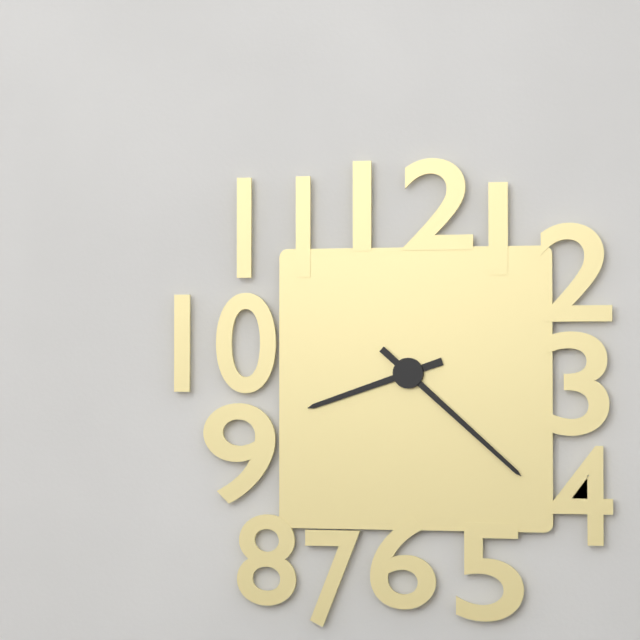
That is 8.22
